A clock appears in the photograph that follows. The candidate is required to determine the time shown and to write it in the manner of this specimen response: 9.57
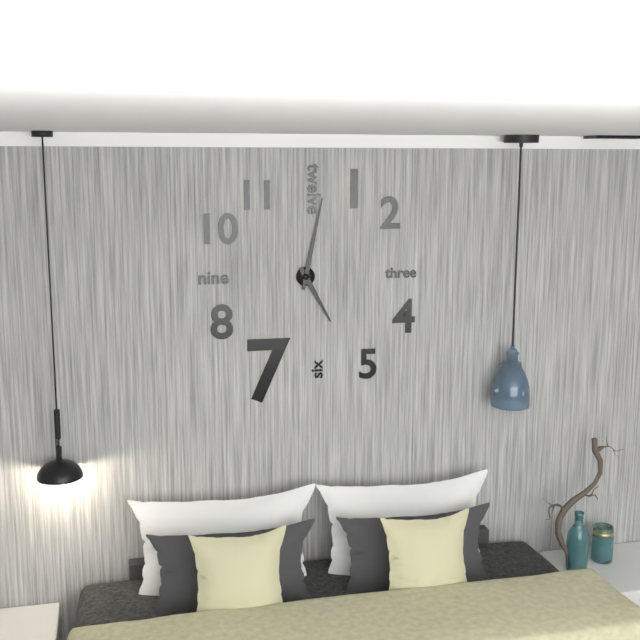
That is 5.02
